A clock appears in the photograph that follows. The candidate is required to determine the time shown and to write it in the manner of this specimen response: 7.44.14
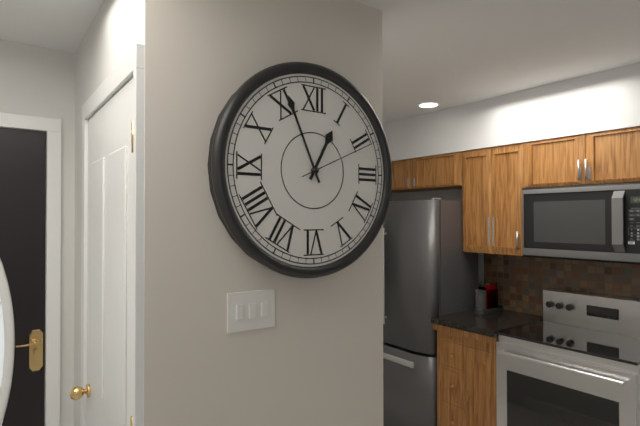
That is 12.56.11
